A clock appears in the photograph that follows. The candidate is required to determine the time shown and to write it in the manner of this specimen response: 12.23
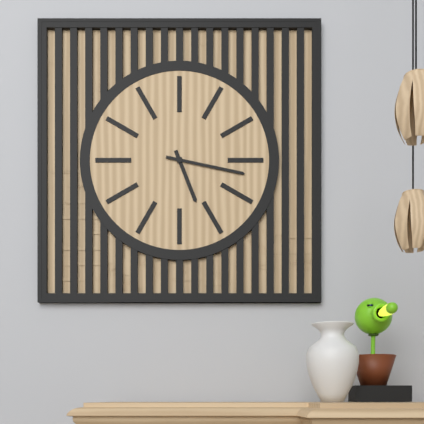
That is 5.17
